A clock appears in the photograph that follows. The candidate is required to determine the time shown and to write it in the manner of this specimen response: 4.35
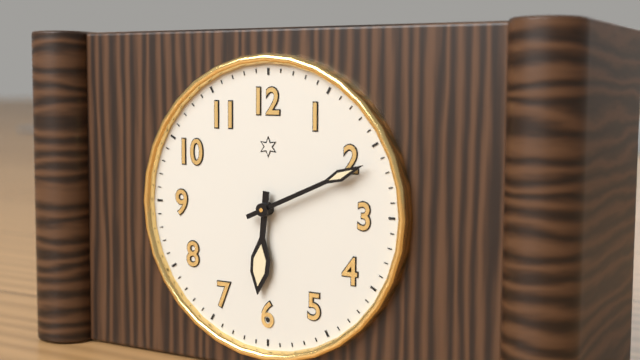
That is 6.11
